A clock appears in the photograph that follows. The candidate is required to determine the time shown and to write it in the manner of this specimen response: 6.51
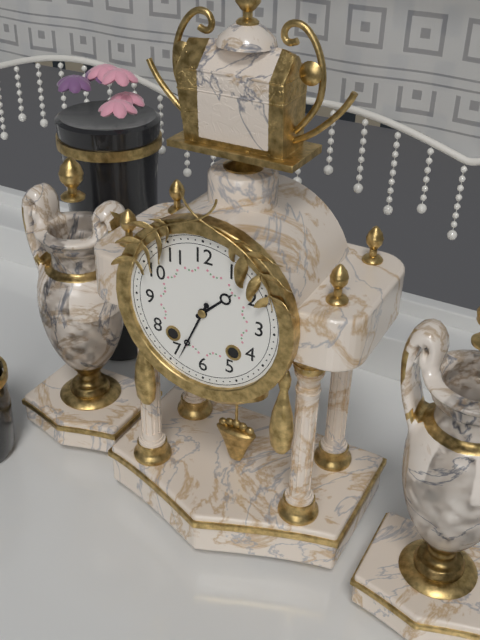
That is 1.34
